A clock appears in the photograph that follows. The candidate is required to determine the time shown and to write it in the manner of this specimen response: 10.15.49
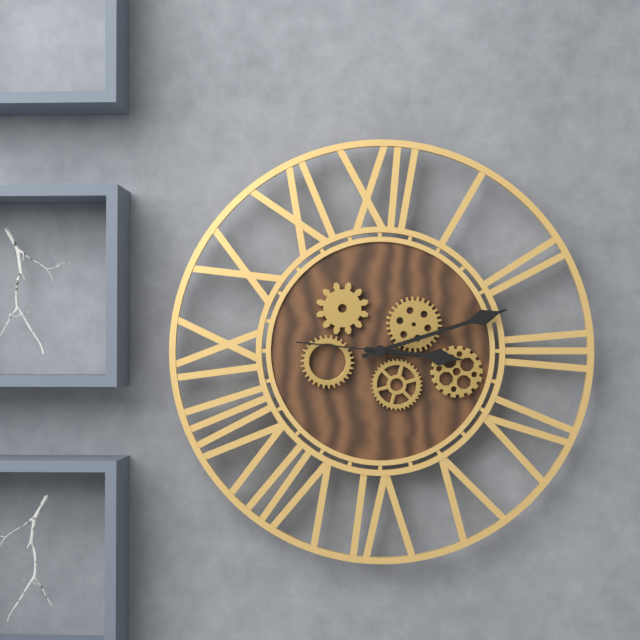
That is 3.12.46
